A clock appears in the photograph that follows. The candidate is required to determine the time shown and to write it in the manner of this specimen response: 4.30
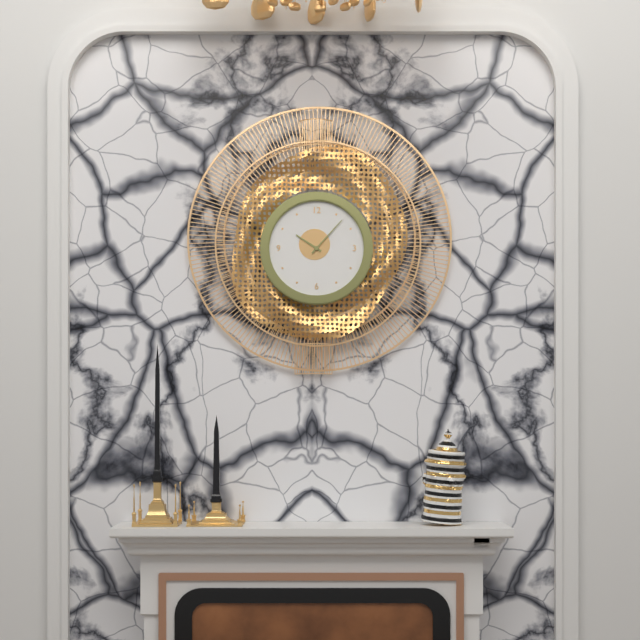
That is 10.07
